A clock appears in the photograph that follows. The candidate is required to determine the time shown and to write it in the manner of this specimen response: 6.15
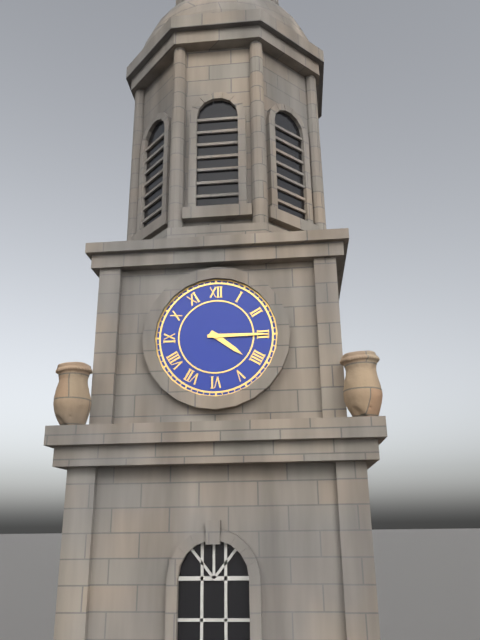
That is 4.15
